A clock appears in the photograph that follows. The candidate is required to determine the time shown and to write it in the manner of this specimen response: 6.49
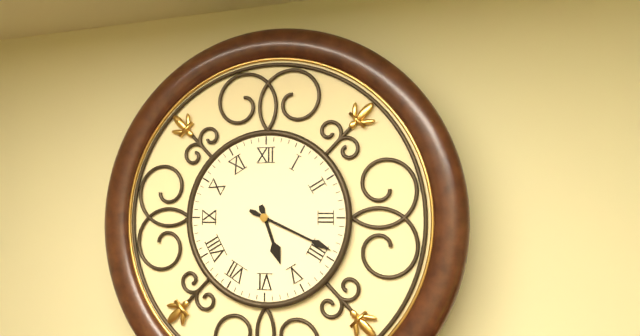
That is 5.19
